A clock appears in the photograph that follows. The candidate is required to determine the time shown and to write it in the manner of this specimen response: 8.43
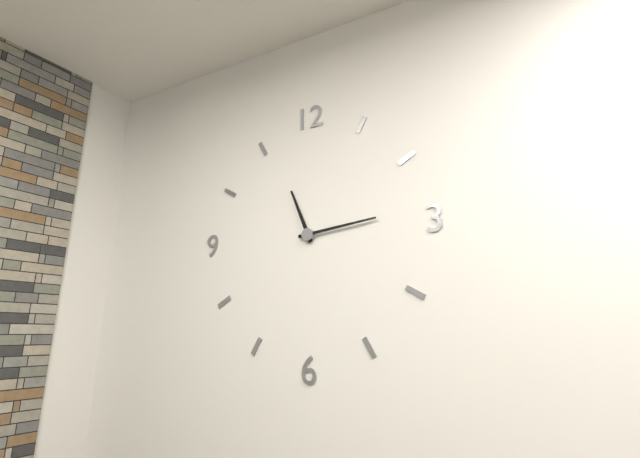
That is 11.14
